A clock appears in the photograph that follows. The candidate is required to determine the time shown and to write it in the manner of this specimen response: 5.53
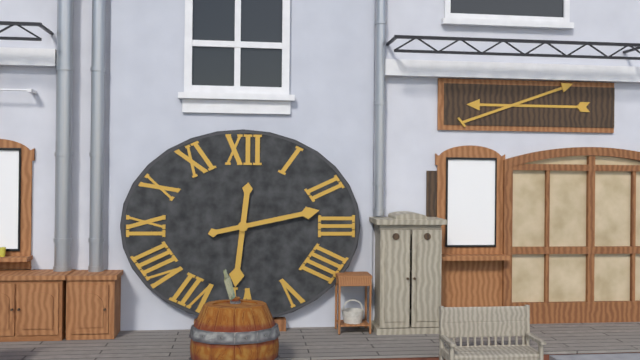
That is 6.13
